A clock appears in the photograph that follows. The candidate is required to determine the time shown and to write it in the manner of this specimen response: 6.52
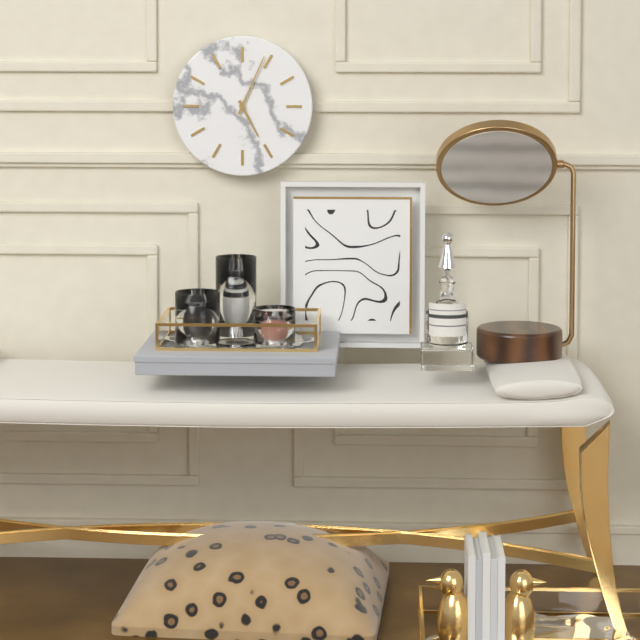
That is 5.04
